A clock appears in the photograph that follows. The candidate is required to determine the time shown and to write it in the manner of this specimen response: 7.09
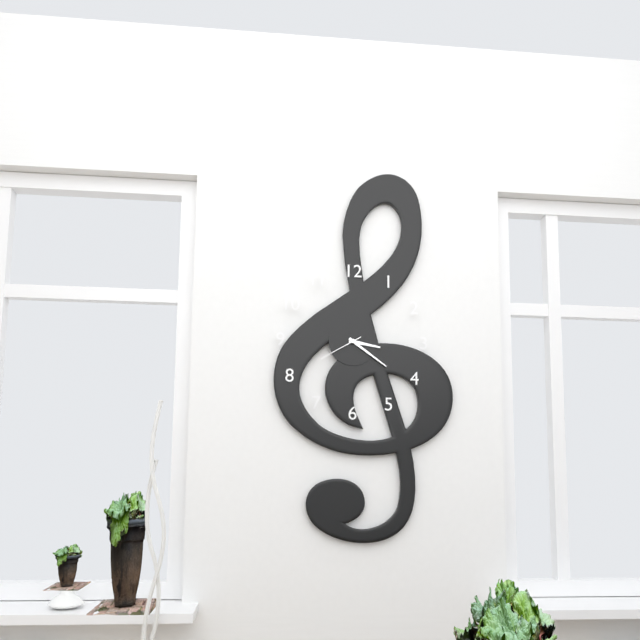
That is 3.21
